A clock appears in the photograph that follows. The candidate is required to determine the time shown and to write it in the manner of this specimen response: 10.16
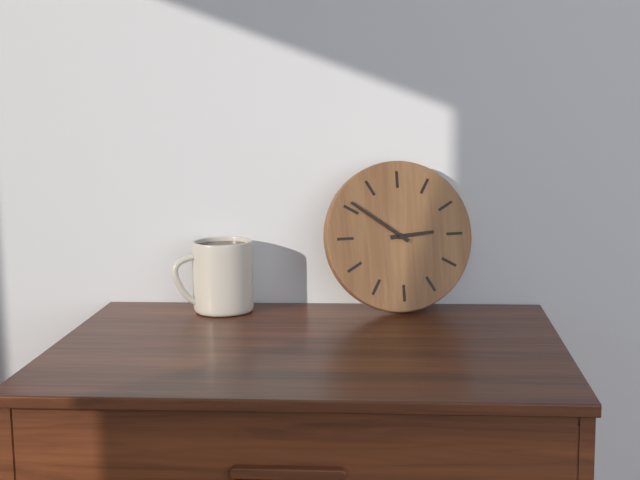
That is 2.51
